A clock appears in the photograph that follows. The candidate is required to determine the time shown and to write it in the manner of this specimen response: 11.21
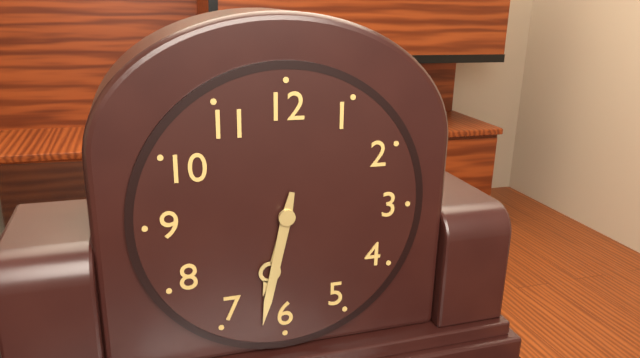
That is 6.32
